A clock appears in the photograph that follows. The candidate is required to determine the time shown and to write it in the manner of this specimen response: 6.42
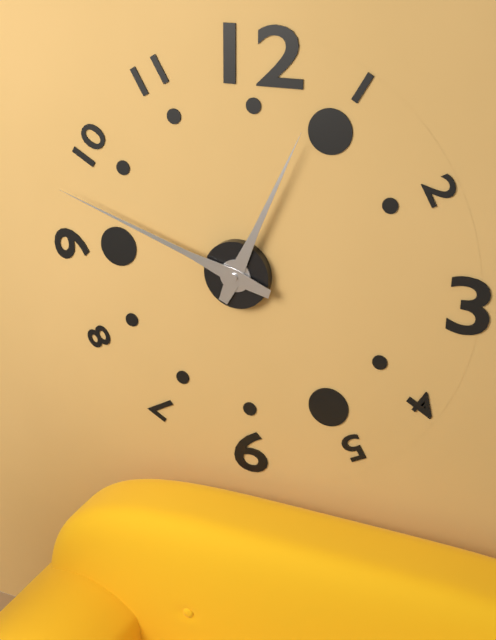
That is 12.48
